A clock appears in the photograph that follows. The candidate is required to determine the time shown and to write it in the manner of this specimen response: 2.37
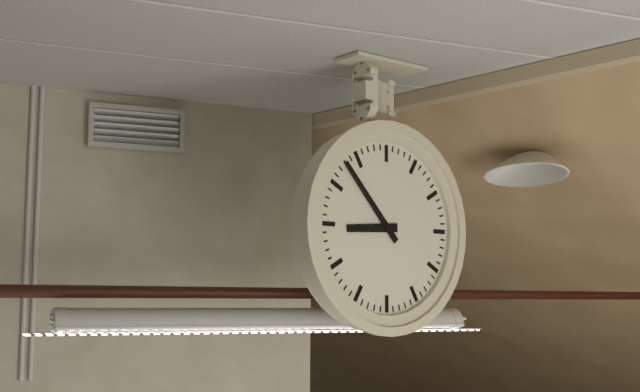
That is 8.53
